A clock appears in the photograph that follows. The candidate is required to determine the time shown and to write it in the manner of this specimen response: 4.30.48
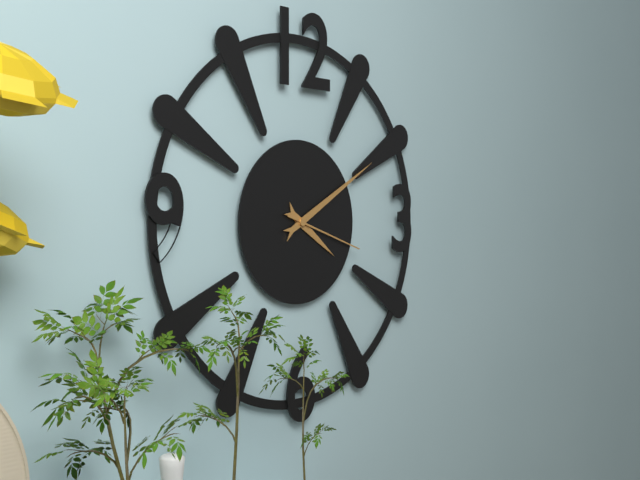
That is 4.10.18
